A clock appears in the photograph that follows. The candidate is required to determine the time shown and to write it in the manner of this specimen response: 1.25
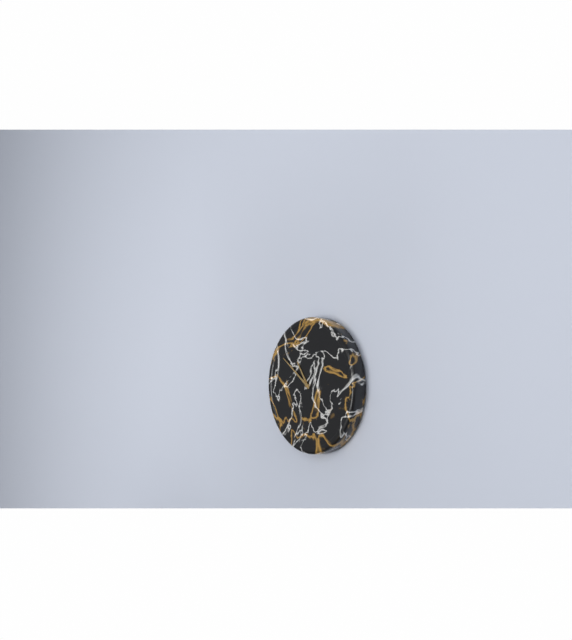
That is 10.51
